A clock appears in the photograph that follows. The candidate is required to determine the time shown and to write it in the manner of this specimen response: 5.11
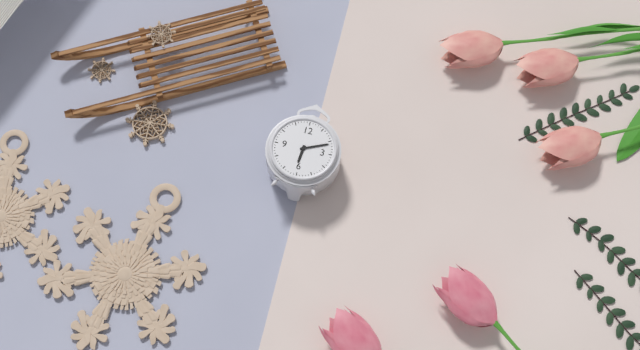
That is 6.11
